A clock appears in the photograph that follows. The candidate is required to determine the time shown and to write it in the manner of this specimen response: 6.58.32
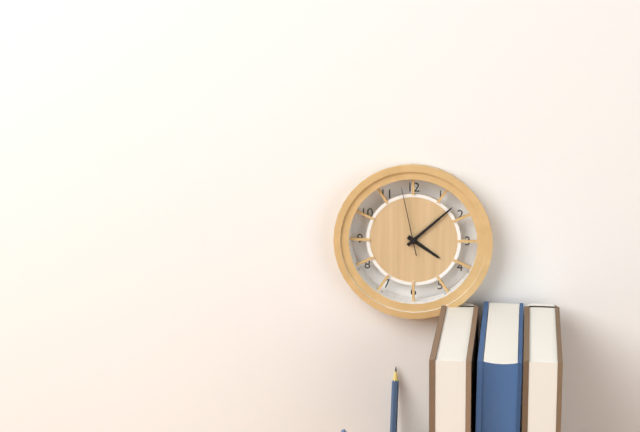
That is 4.08.58
